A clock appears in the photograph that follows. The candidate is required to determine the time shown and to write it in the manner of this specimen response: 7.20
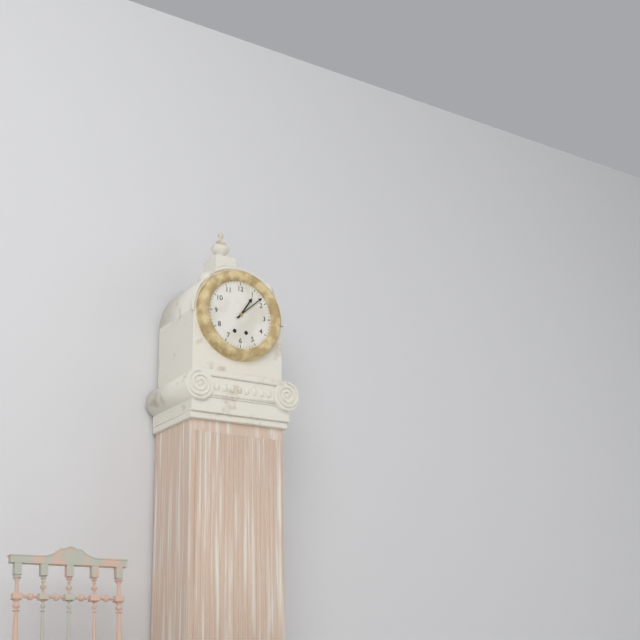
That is 1.08
